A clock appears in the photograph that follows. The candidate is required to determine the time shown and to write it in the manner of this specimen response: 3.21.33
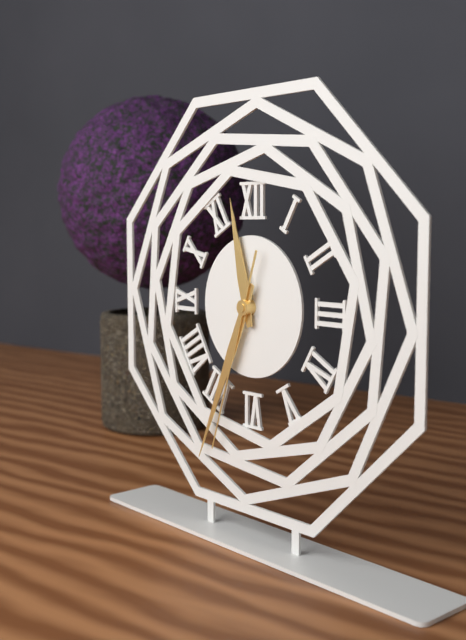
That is 11.34.33
